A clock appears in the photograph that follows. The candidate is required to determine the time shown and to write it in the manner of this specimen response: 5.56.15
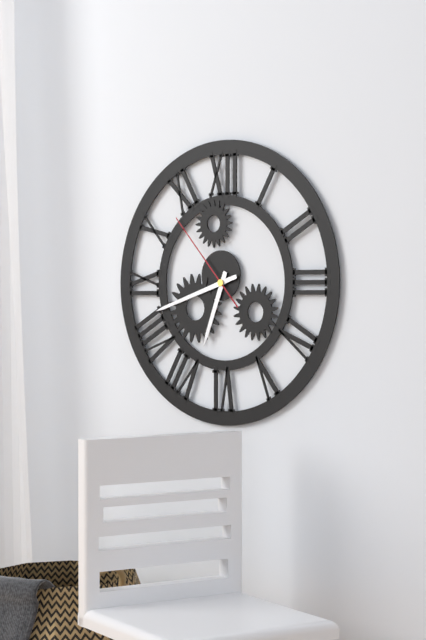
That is 6.42.53
